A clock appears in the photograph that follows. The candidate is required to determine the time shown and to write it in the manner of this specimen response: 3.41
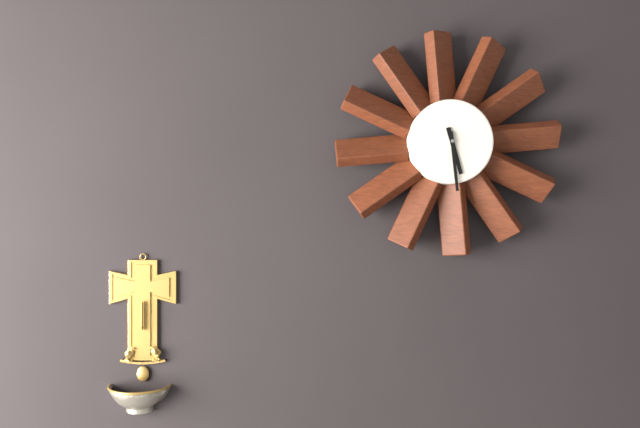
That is 5.29
